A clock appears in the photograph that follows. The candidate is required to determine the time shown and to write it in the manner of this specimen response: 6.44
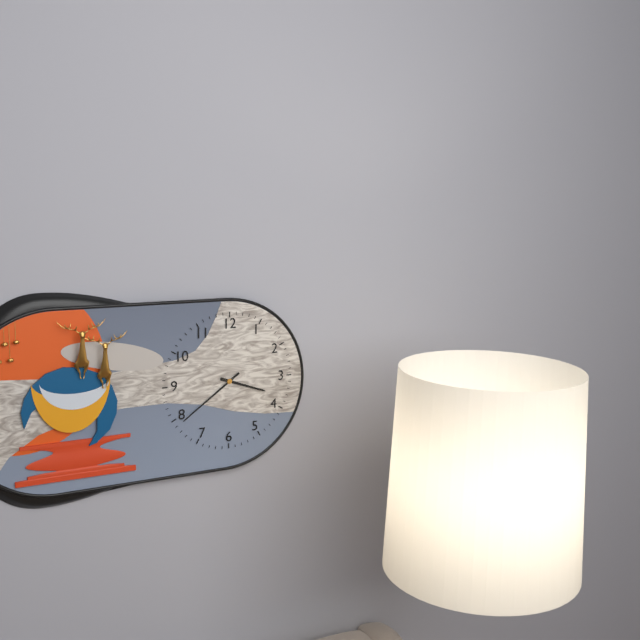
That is 3.39
